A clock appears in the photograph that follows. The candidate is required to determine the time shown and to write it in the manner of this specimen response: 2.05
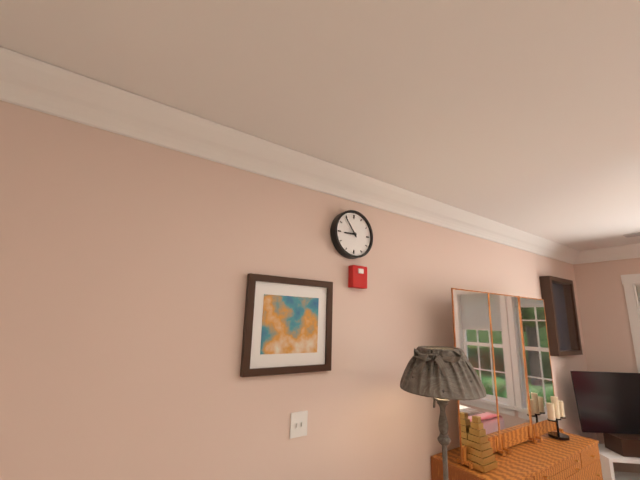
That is 8.54
